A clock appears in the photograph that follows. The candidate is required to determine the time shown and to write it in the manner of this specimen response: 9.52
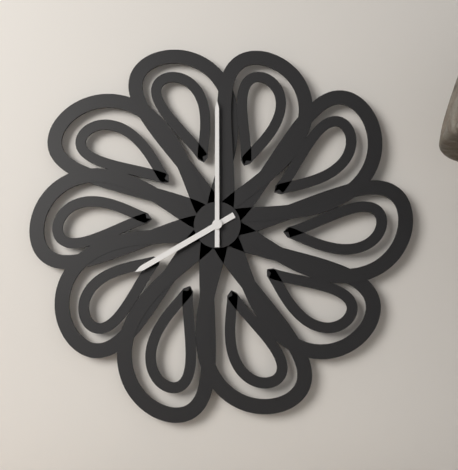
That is 8.00
